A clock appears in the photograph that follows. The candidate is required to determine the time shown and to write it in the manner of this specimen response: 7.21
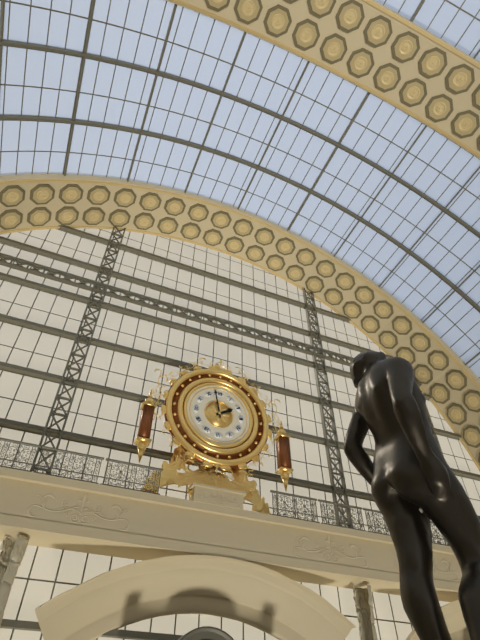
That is 1.58
